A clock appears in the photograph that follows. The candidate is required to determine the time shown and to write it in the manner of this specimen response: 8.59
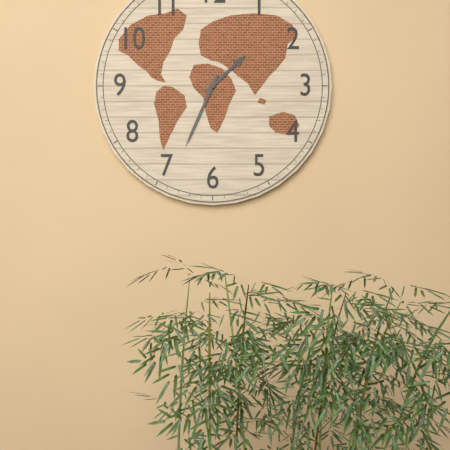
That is 1.34
